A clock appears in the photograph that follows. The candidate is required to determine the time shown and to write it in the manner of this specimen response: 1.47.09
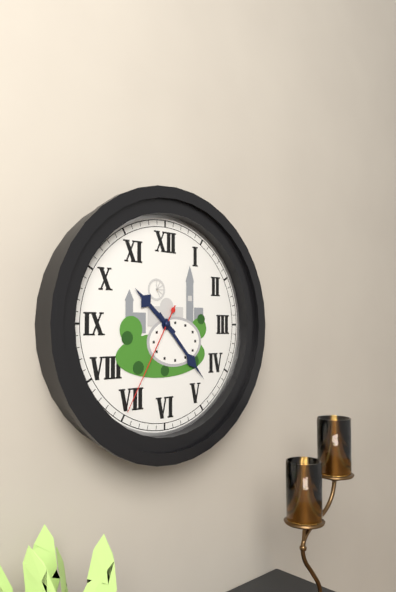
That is 10.23.35
